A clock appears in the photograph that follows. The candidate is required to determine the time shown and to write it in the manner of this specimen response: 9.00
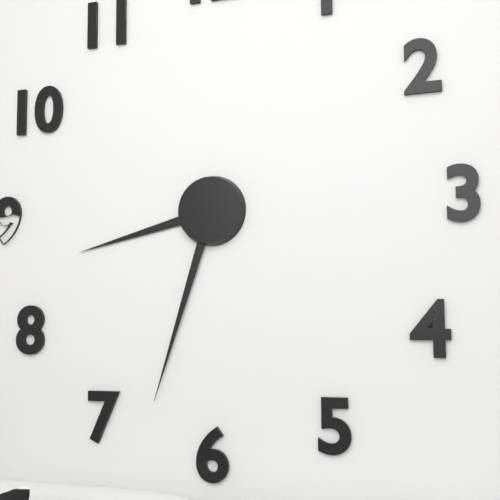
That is 8.33
